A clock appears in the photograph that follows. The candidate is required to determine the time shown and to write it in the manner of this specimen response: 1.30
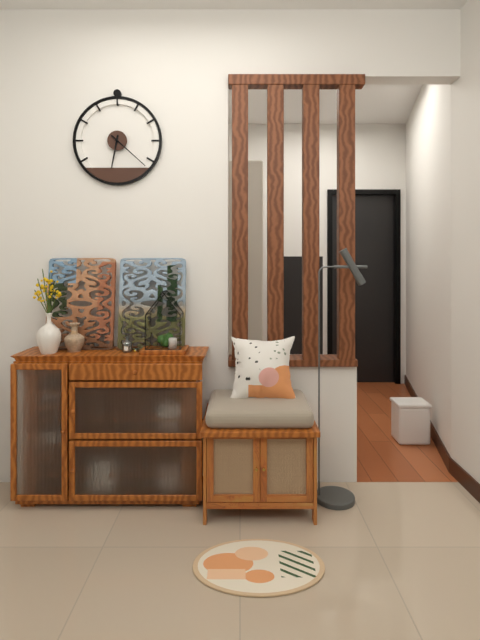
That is 6.22
